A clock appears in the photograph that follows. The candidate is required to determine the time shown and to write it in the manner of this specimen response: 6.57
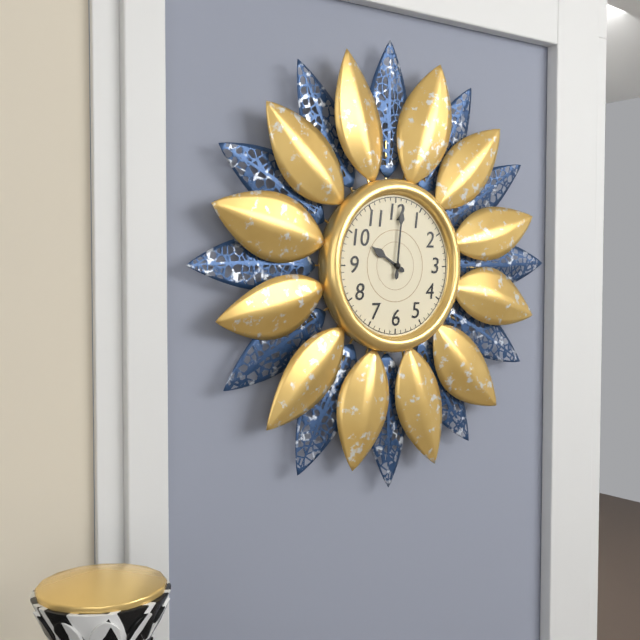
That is 10.01
